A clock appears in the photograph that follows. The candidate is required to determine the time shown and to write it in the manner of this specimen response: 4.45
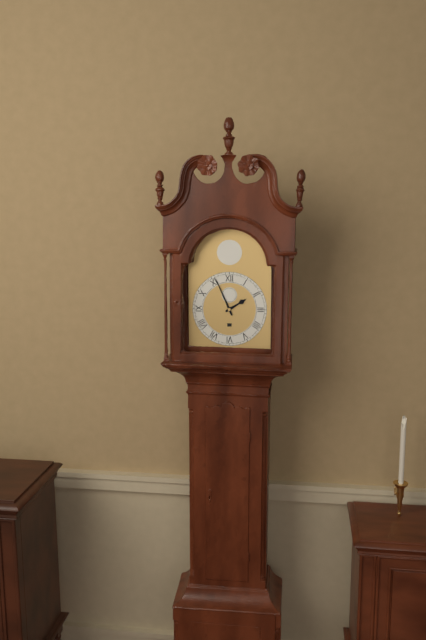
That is 1.56
